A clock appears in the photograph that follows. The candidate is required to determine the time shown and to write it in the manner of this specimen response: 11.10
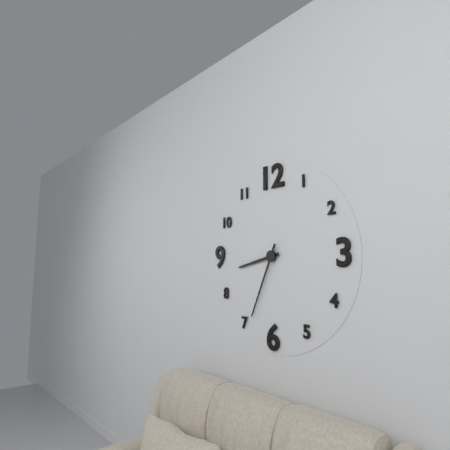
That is 8.34
